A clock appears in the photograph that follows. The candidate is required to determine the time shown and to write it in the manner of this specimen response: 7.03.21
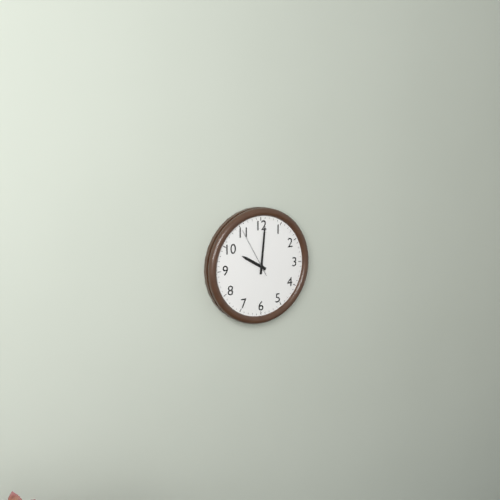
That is 10.01.55
